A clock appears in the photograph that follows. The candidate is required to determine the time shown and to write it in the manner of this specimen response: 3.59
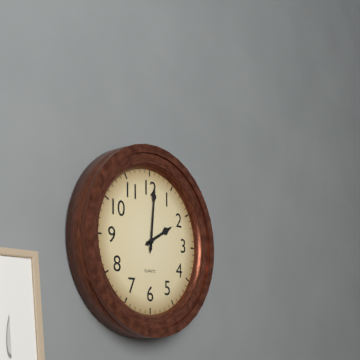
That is 2.01
